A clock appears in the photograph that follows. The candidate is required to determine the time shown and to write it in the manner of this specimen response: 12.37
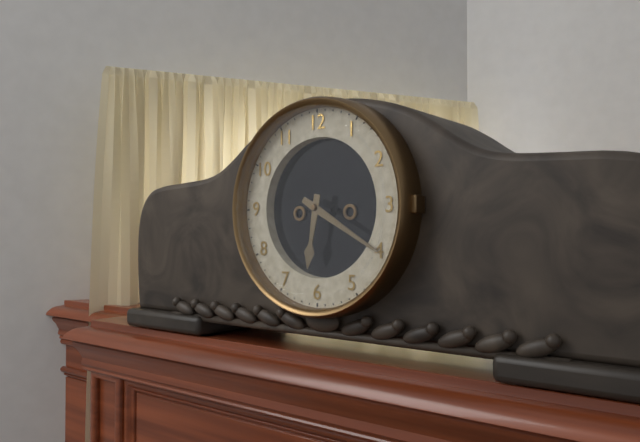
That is 6.20
